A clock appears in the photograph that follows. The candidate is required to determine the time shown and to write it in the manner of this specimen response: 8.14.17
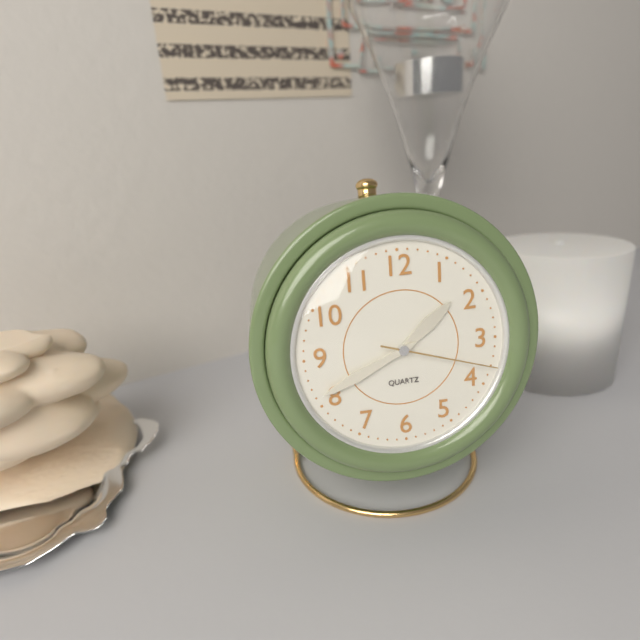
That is 1.41.18
